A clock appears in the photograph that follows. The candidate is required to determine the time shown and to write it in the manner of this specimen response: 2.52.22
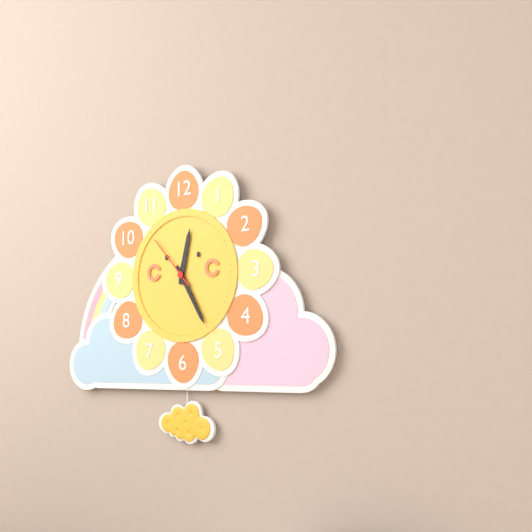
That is 12.25.53
